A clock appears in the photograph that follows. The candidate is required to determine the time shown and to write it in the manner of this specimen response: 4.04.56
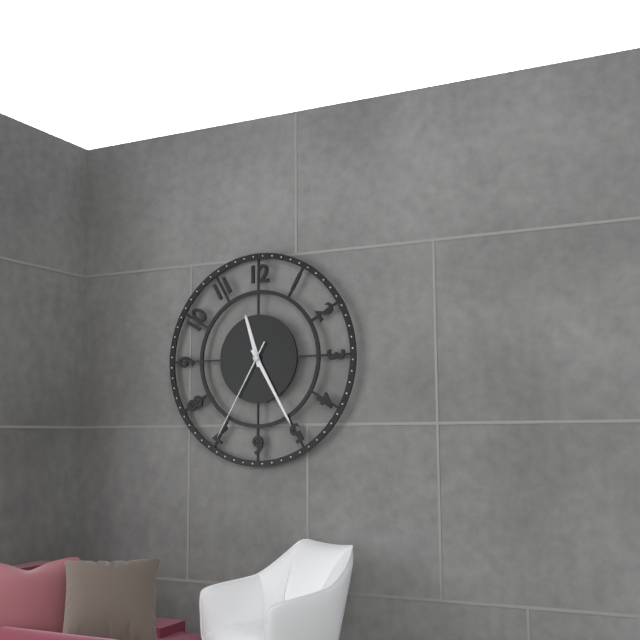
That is 11.25.35
